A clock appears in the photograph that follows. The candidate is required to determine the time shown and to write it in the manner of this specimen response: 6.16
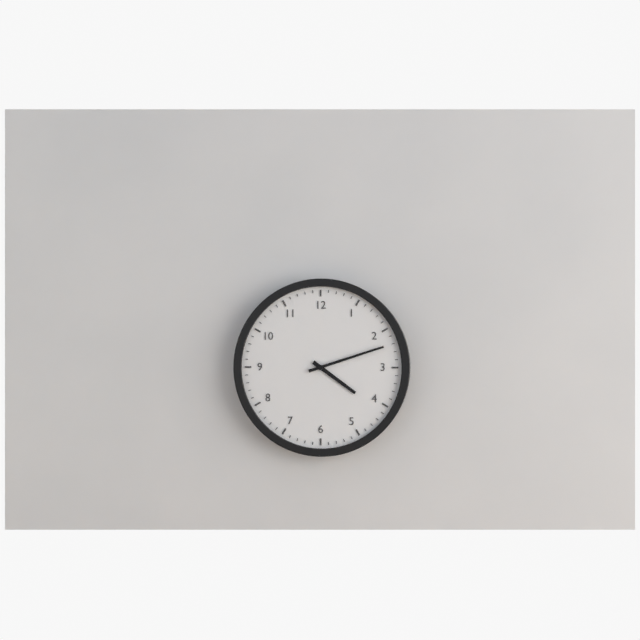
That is 4.12
